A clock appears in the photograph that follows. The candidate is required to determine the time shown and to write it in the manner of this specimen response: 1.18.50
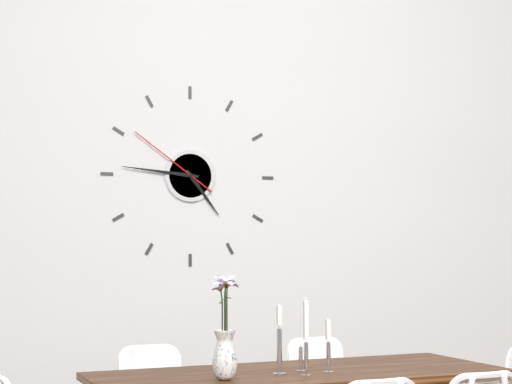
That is 4.46.51
